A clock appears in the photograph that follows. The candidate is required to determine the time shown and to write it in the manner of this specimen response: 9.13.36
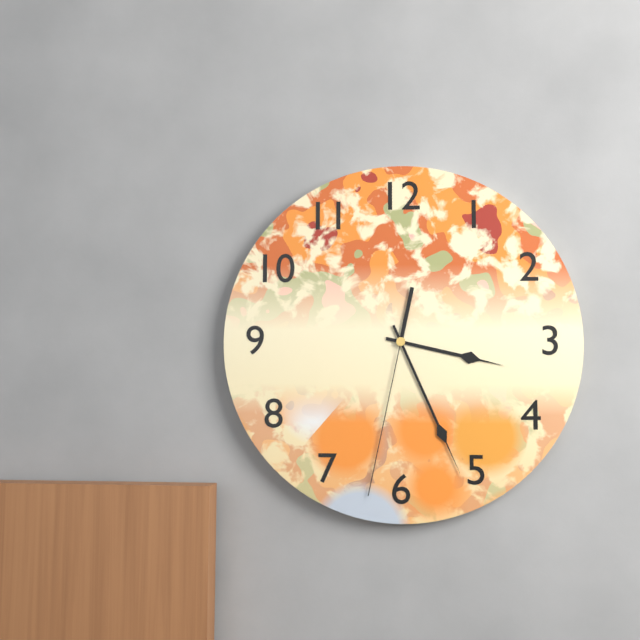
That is 3.26.32
